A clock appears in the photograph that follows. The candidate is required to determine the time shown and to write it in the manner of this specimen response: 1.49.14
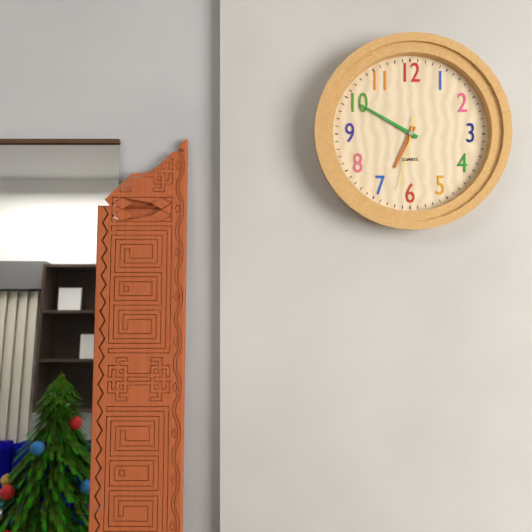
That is 6.50.32
